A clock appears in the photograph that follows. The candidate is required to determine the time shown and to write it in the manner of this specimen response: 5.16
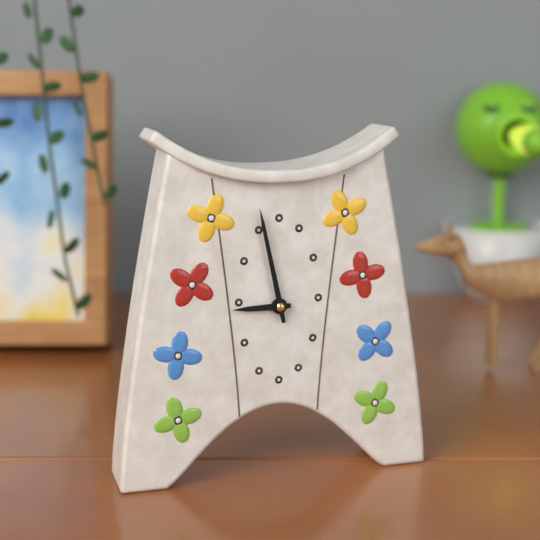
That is 8.58
